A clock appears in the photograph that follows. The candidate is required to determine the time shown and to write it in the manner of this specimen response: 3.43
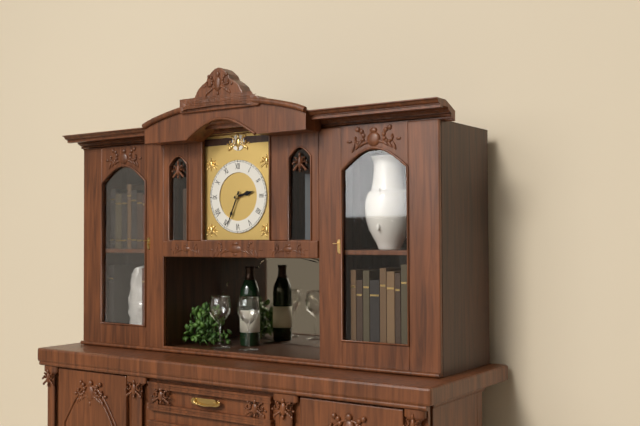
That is 2.34
